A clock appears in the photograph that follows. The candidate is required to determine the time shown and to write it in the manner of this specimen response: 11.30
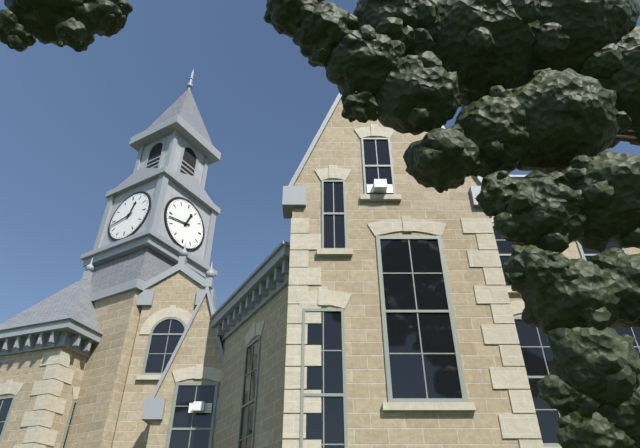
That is 12.43
